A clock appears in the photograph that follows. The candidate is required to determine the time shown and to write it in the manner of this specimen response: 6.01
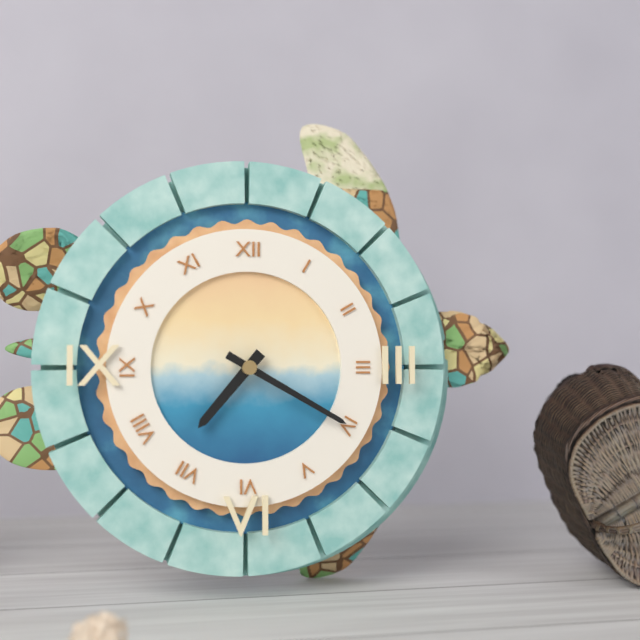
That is 7.20
